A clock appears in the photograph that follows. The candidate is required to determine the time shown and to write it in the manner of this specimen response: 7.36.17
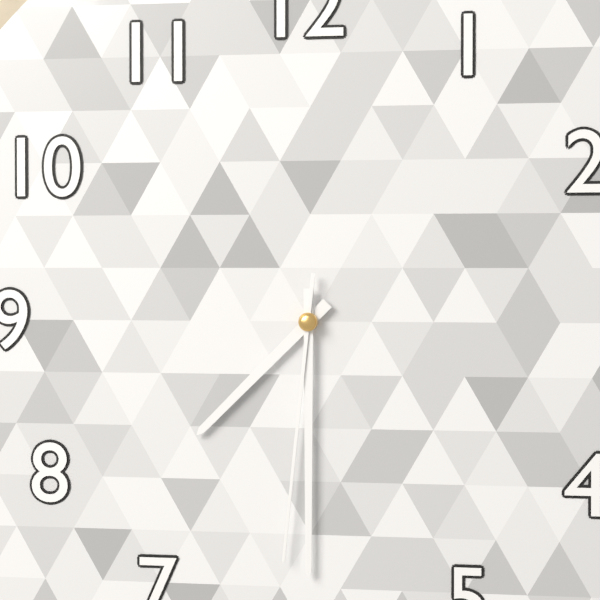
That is 7.30.31
